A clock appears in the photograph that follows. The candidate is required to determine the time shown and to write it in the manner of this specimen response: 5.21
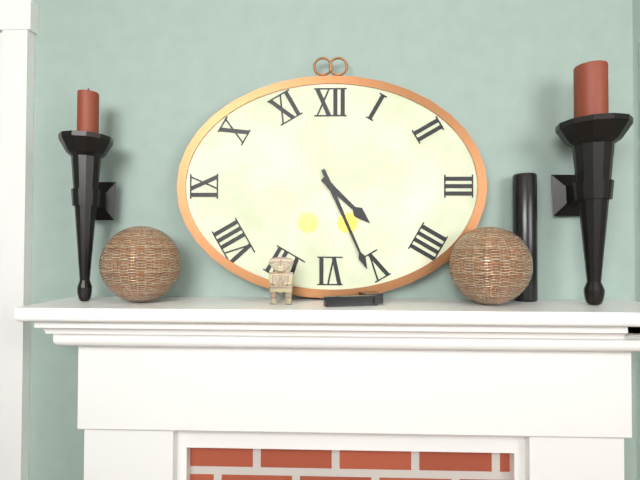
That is 4.26
